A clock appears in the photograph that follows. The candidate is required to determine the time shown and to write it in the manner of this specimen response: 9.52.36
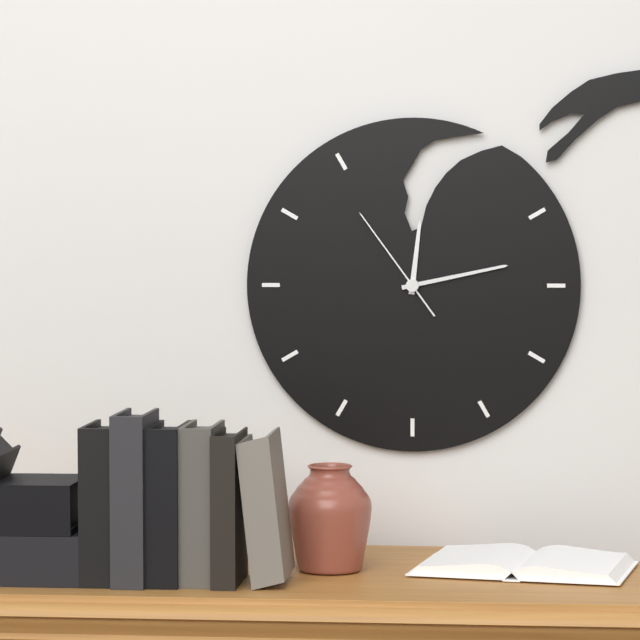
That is 12.13.54
